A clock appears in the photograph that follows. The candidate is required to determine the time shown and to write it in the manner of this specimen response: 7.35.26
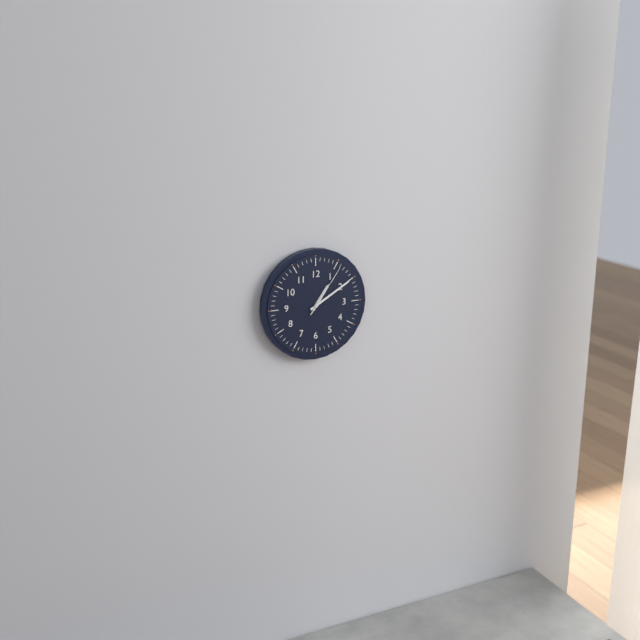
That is 1.10.06
